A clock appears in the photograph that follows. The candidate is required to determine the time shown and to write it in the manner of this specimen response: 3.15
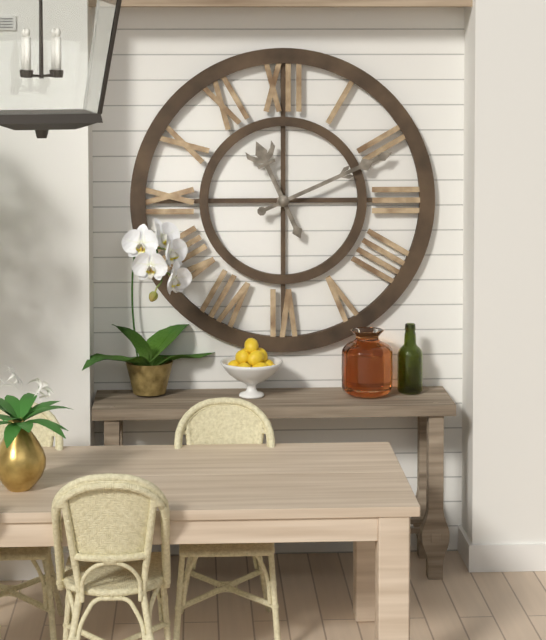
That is 11.11
